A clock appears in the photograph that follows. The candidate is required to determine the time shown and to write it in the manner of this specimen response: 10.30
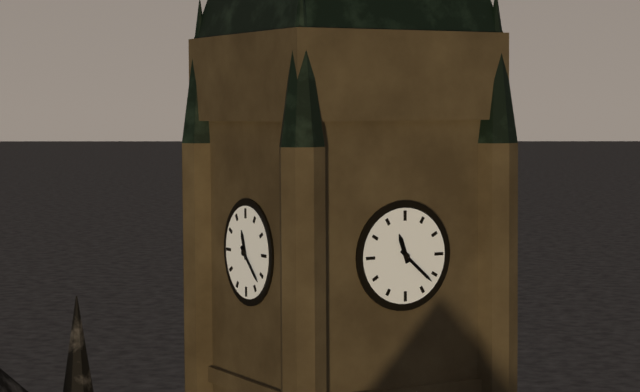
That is 11.22
